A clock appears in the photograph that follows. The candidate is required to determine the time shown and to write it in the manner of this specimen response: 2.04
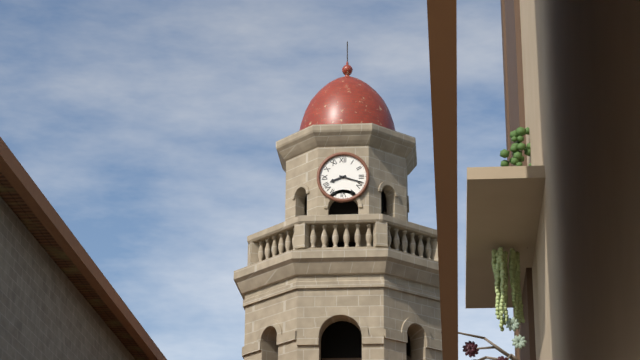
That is 8.18
